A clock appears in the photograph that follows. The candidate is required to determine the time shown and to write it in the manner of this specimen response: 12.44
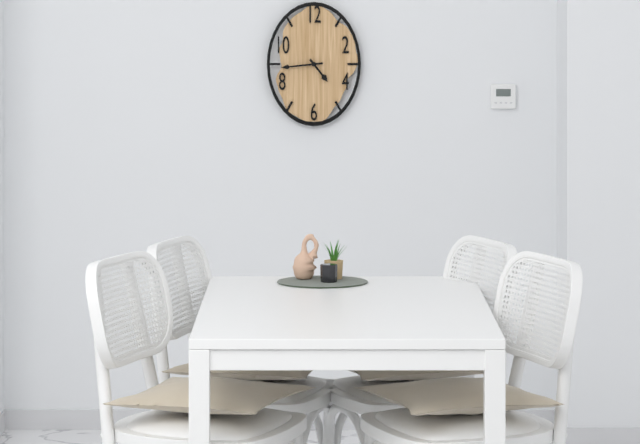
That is 4.44
